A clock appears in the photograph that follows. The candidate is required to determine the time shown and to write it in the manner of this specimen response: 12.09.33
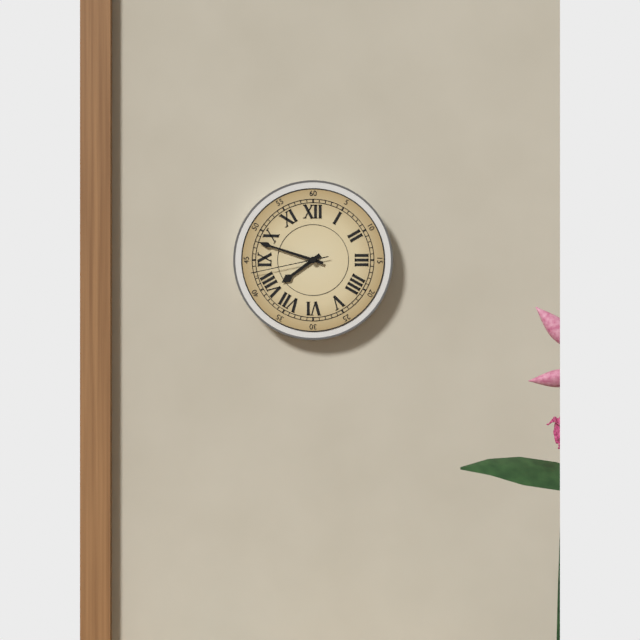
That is 7.48.43
